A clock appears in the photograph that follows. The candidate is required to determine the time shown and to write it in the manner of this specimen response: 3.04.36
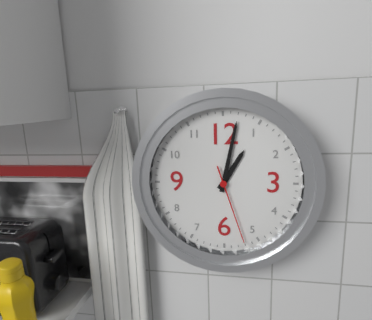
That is 1.02.27
